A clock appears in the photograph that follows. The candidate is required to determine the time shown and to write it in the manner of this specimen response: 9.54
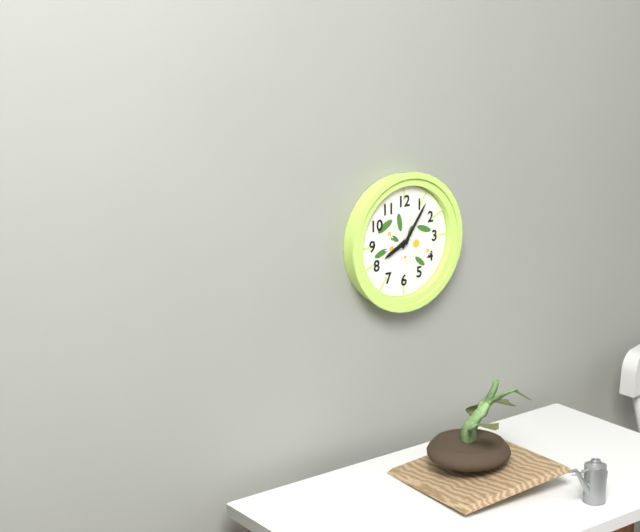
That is 8.06
